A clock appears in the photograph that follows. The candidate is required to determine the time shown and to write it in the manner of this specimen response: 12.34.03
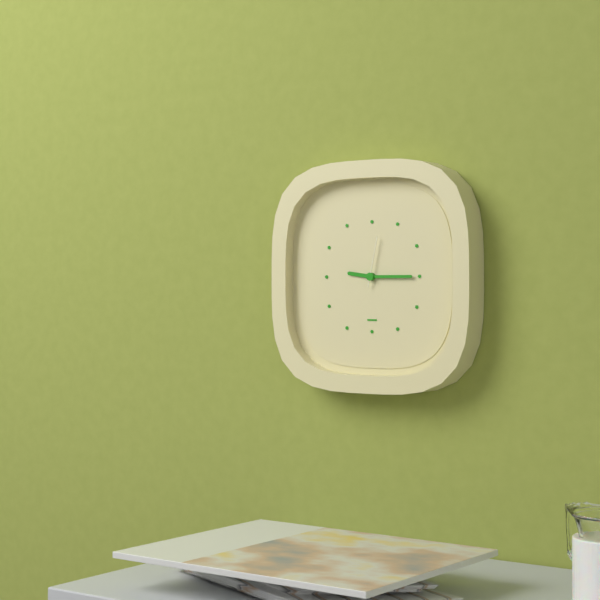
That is 9.15.02
